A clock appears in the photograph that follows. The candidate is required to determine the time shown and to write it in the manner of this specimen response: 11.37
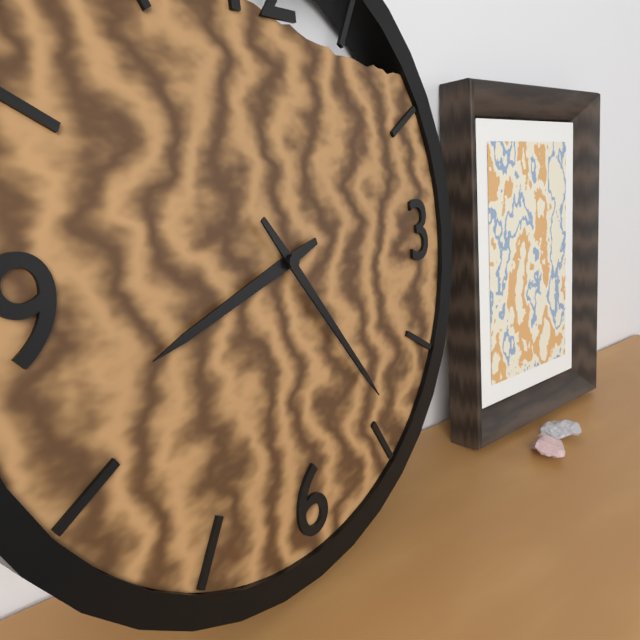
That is 8.24
